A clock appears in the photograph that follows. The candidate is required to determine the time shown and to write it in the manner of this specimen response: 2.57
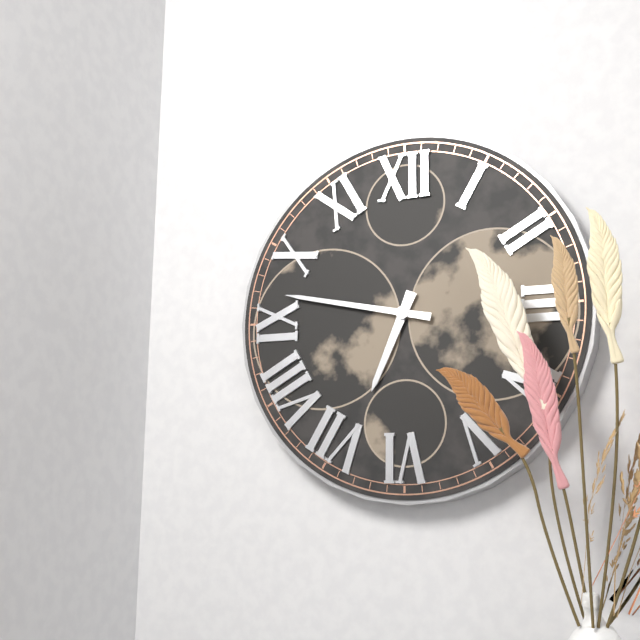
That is 6.47
